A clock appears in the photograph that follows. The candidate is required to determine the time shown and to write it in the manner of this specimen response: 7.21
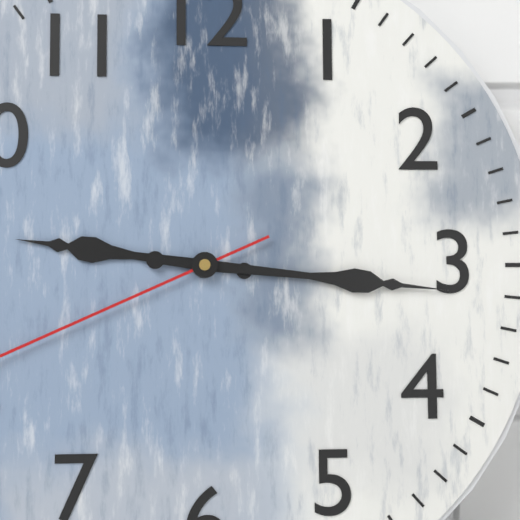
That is 9.16
